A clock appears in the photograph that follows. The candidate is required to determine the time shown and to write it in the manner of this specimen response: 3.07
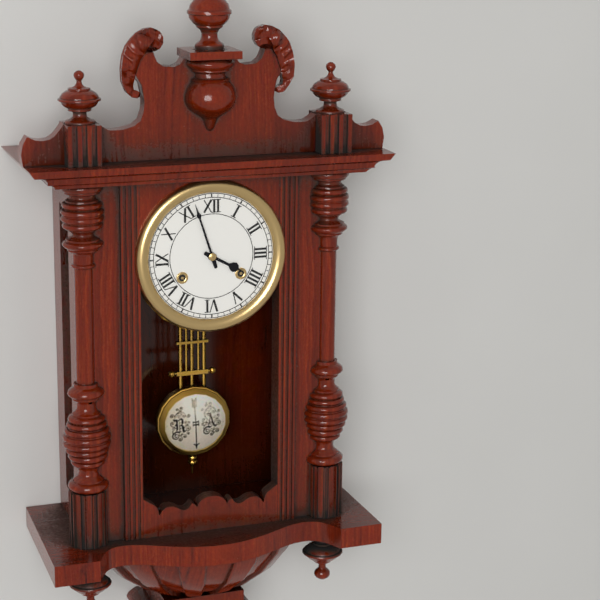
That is 3.57
